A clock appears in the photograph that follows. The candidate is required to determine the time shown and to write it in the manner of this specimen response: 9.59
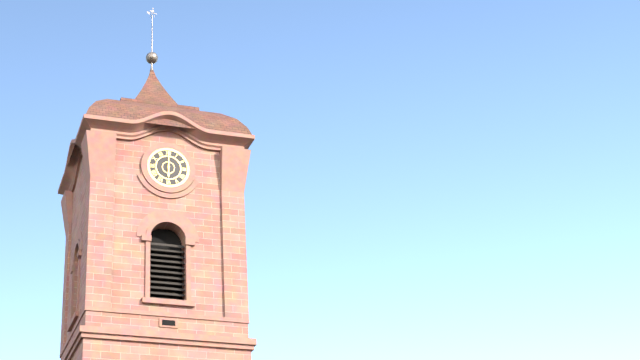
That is 6.00
